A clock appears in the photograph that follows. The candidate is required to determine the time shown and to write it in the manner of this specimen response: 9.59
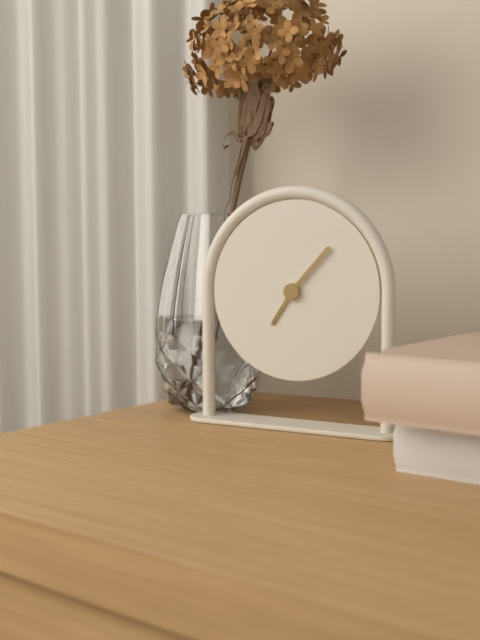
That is 7.07
